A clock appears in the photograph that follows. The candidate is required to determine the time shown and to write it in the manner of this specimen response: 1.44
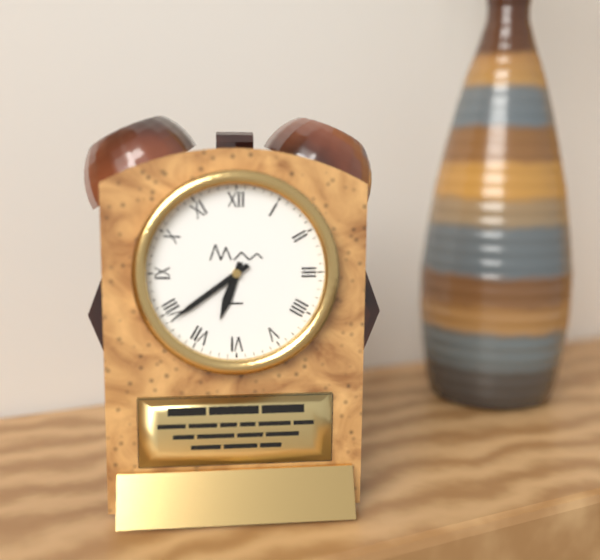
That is 6.39
